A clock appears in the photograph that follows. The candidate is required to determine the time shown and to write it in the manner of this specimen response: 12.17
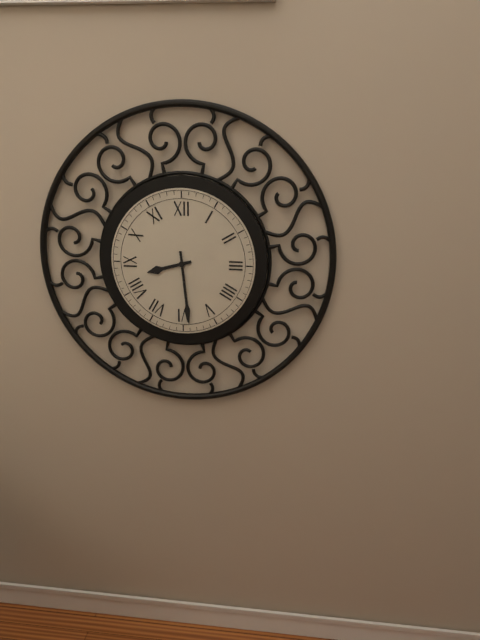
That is 8.29
